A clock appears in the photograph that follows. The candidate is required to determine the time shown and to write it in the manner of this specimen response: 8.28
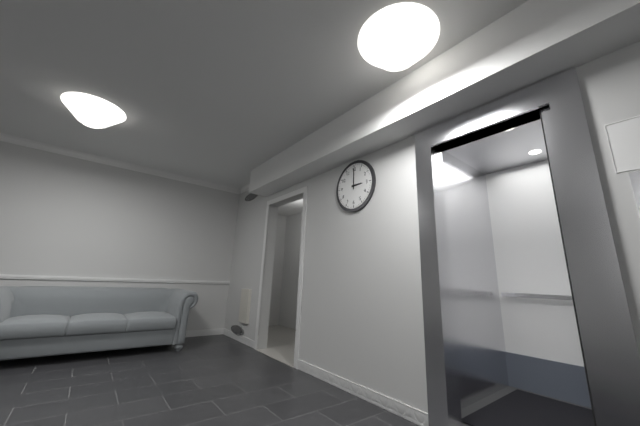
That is 3.00
